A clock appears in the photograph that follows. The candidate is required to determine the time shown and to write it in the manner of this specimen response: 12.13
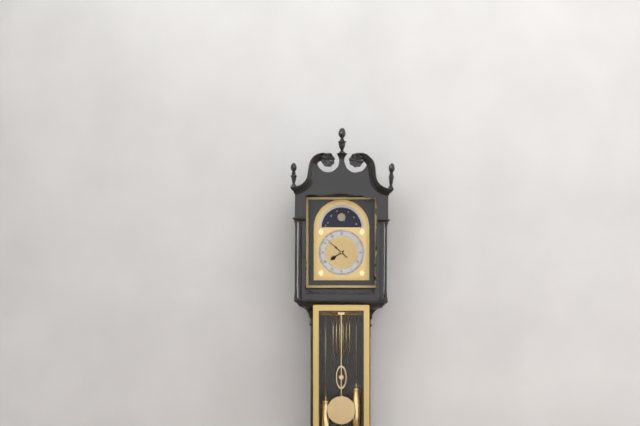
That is 7.52
